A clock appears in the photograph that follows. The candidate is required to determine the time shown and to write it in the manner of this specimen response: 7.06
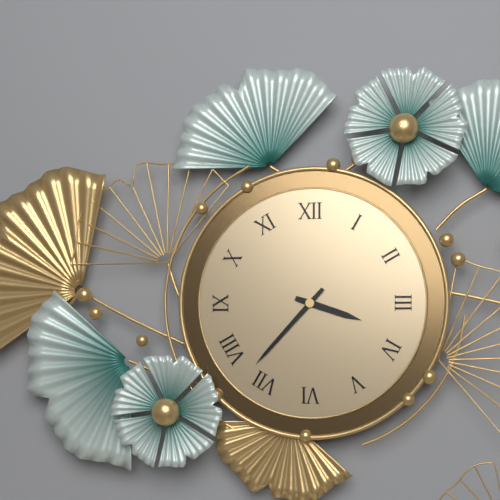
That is 3.37
